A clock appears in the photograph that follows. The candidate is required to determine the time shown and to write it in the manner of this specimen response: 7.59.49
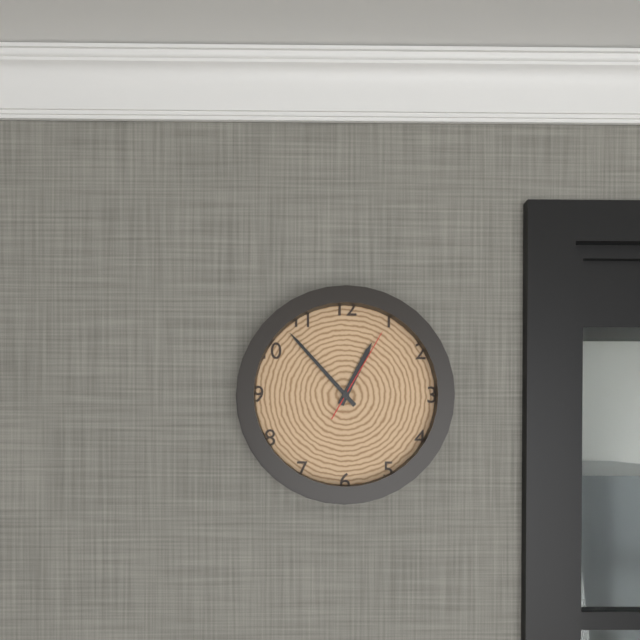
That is 12.53.05
